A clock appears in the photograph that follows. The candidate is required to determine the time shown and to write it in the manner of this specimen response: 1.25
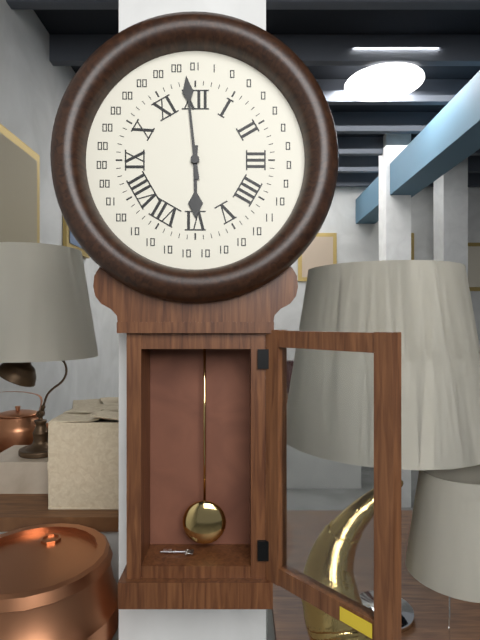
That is 5.59
